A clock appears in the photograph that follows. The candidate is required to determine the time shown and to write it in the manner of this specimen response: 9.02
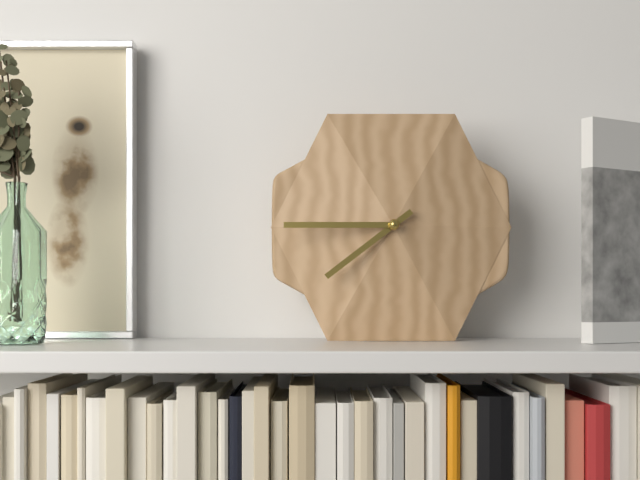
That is 7.45
